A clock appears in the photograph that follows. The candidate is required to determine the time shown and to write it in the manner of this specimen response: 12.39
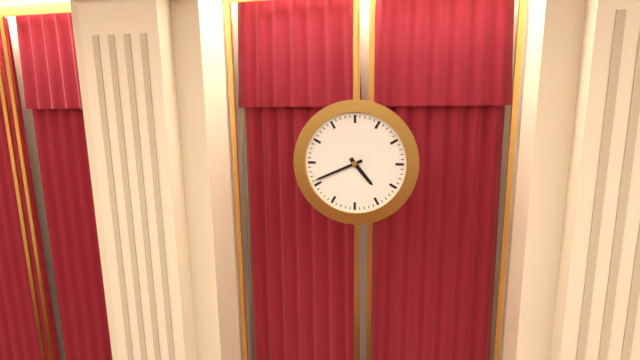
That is 4.41
